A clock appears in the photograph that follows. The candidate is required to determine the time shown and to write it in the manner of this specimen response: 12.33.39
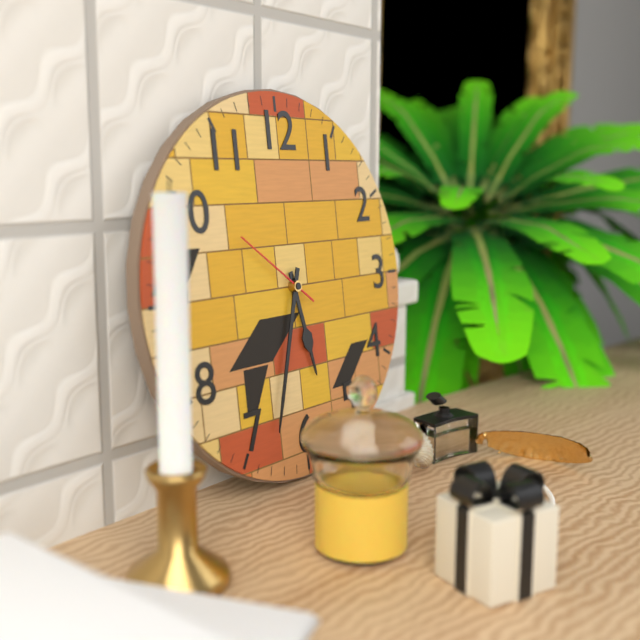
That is 5.33.51
